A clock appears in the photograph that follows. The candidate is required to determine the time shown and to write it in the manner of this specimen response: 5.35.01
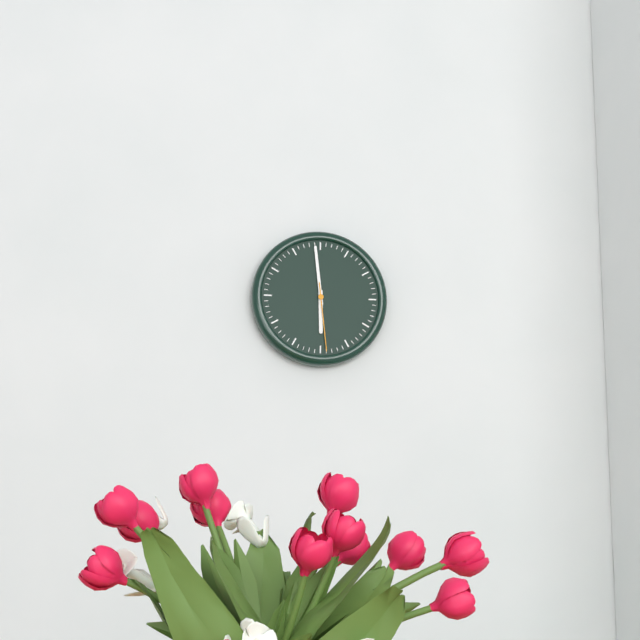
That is 5.59.29
